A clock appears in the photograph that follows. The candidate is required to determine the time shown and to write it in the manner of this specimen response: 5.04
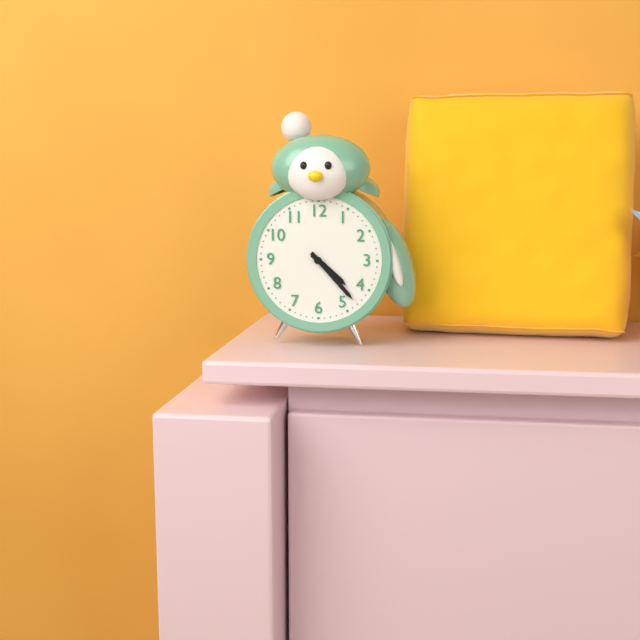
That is 4.23
